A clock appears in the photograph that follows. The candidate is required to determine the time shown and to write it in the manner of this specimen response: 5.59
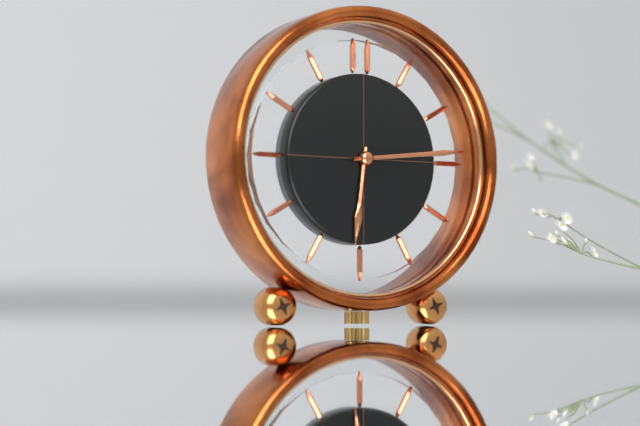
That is 6.14
